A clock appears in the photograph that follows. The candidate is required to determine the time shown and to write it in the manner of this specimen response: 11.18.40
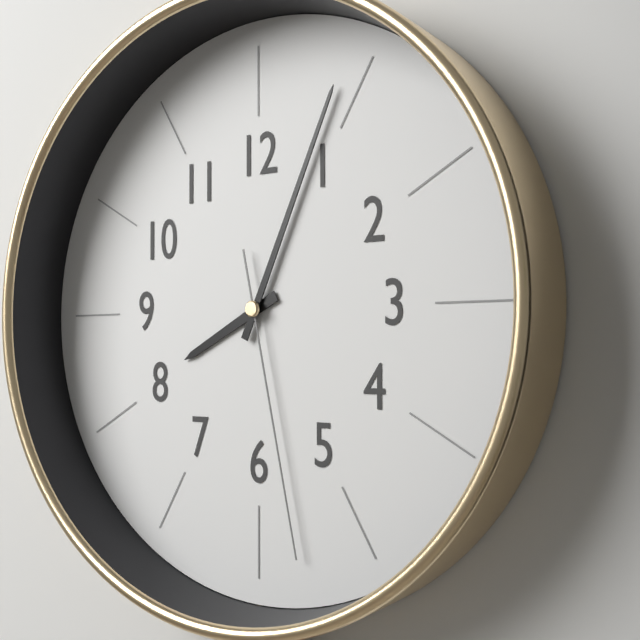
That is 8.04.28
